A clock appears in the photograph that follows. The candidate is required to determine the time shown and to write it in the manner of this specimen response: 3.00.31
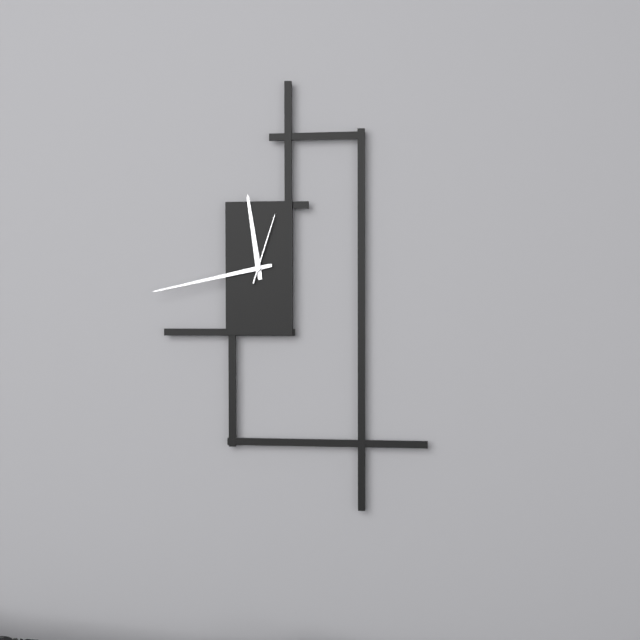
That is 11.43.03
